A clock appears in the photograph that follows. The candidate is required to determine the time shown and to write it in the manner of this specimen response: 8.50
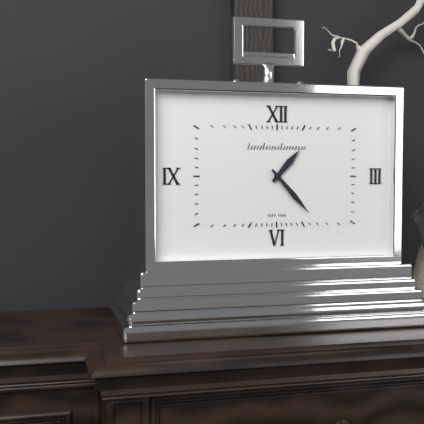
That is 1.23
